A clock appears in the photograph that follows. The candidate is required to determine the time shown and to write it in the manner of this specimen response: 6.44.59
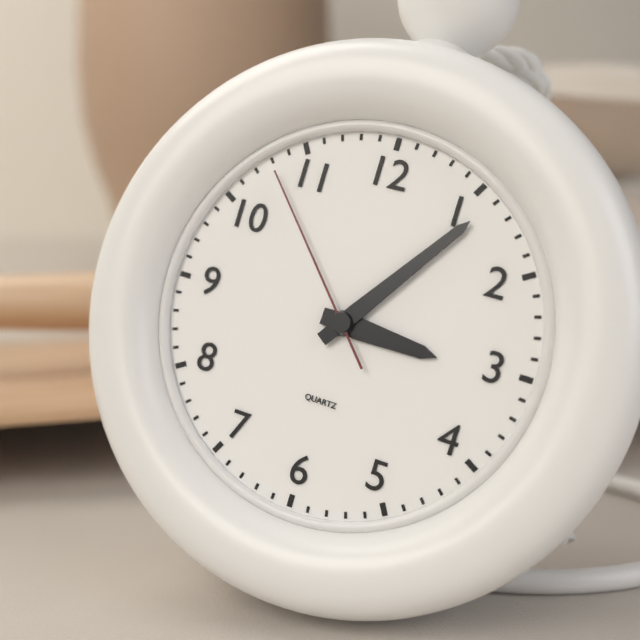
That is 3.06.53
